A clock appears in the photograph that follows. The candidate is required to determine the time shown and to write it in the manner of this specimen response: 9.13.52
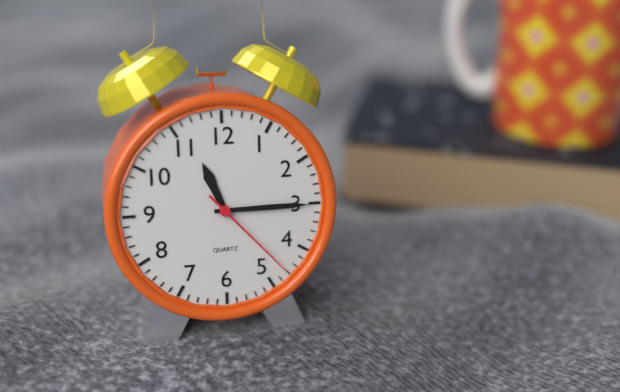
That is 11.15.23
